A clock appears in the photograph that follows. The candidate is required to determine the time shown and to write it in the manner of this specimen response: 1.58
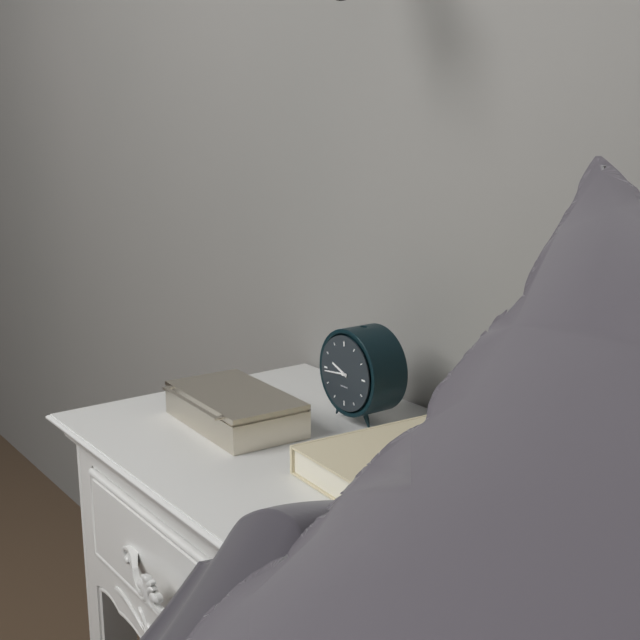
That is 9.44
